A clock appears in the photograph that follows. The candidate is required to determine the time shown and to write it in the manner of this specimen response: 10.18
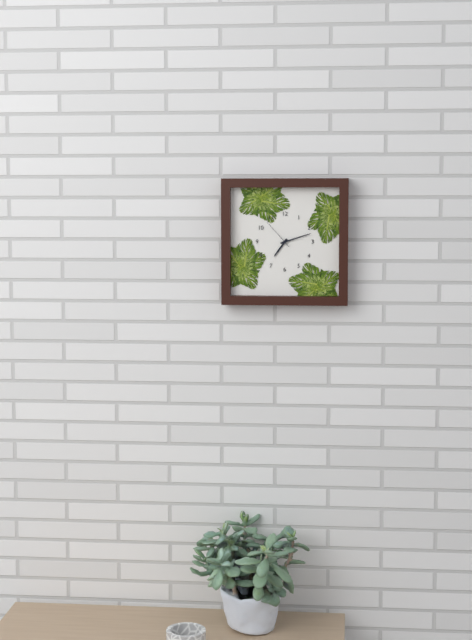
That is 7.12
